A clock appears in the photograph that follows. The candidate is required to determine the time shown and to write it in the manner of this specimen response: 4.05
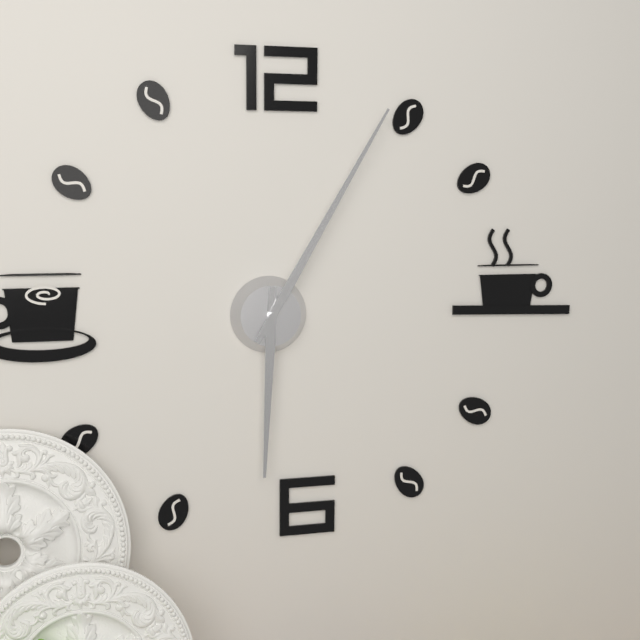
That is 6.05
